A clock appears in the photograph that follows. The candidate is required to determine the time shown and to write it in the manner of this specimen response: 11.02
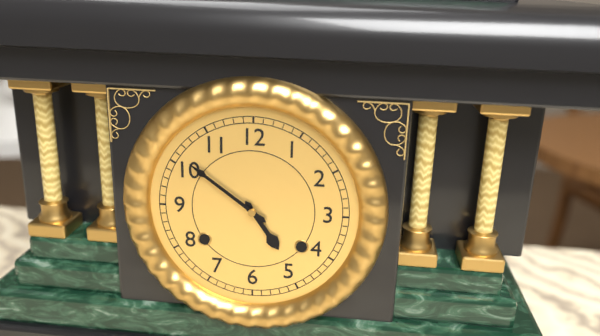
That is 4.51
